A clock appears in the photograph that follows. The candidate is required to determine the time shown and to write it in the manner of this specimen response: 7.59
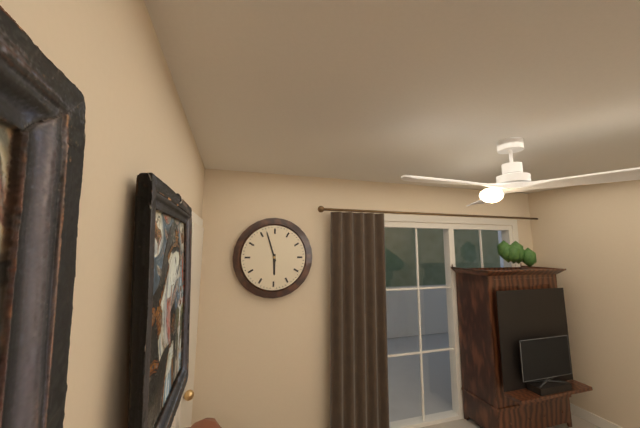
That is 5.57
